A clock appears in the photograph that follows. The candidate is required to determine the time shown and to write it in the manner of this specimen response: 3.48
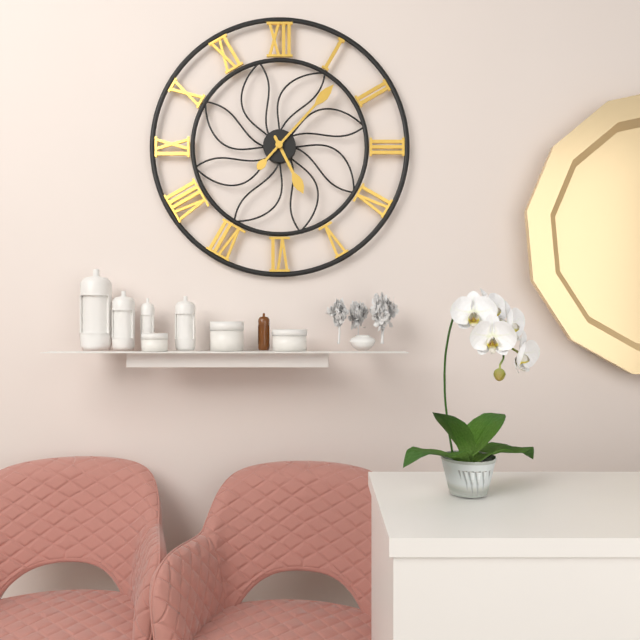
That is 5.07
